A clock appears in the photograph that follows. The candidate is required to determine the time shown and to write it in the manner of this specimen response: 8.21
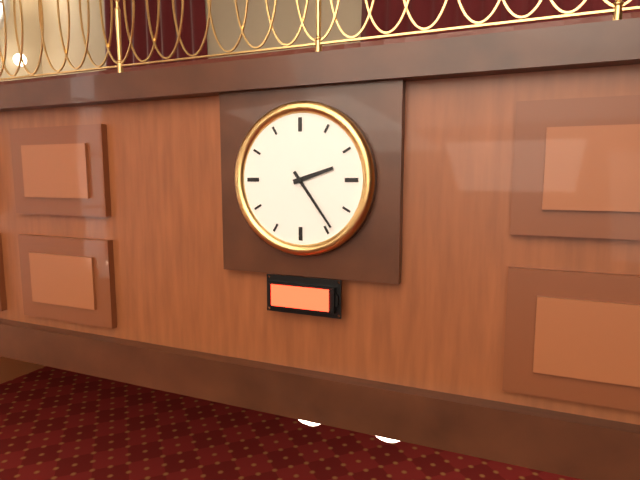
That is 2.24
